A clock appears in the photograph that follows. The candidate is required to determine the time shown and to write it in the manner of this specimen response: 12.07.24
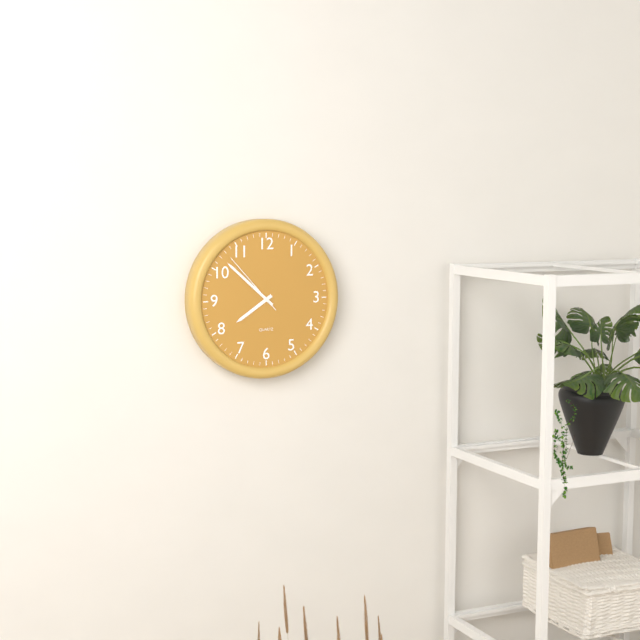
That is 7.52.53
